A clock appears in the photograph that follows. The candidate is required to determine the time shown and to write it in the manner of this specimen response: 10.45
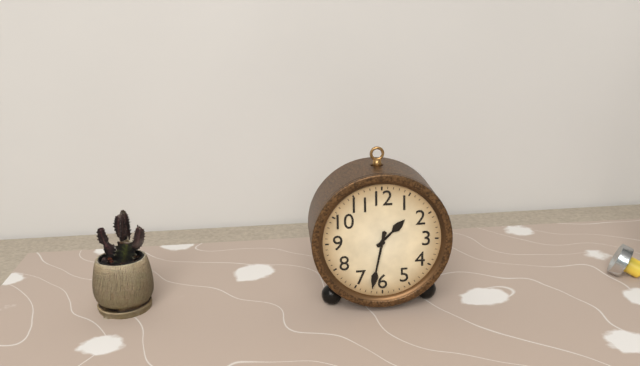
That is 1.32
